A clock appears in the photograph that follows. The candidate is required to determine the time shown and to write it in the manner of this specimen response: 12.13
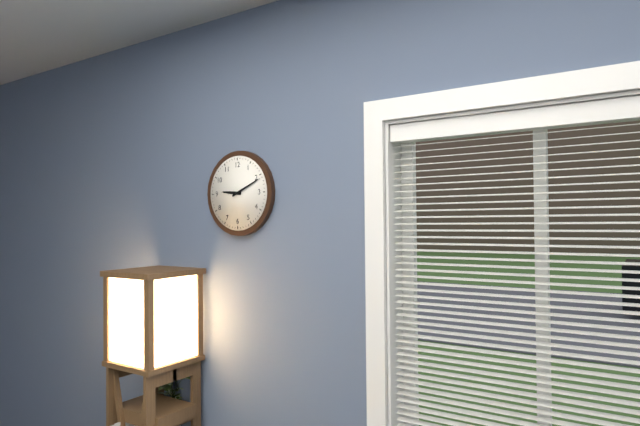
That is 9.11
